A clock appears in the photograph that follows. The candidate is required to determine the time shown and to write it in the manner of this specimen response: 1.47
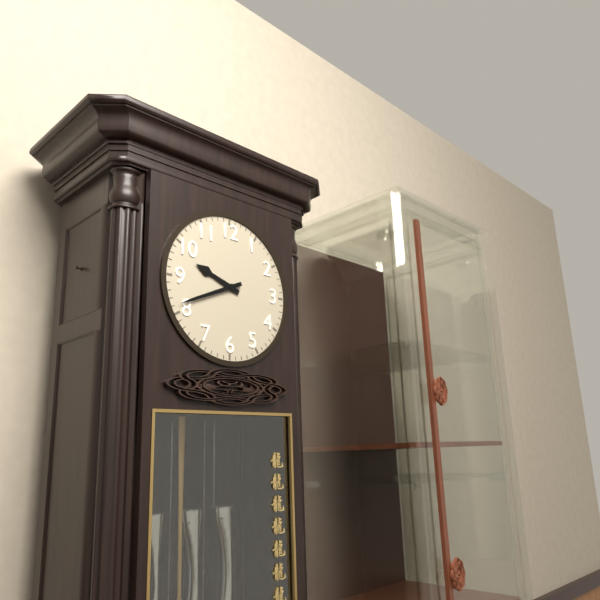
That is 9.41
